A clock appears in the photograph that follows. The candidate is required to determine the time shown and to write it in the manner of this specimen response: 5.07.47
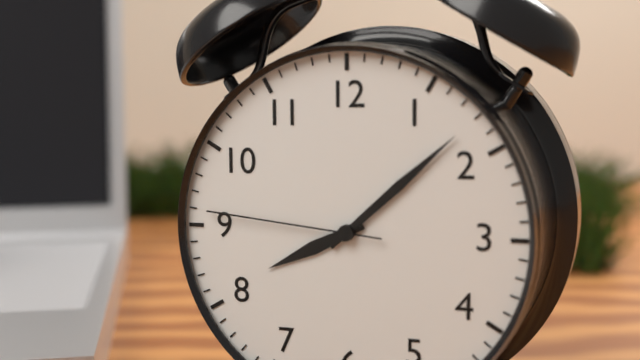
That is 8.08.46
